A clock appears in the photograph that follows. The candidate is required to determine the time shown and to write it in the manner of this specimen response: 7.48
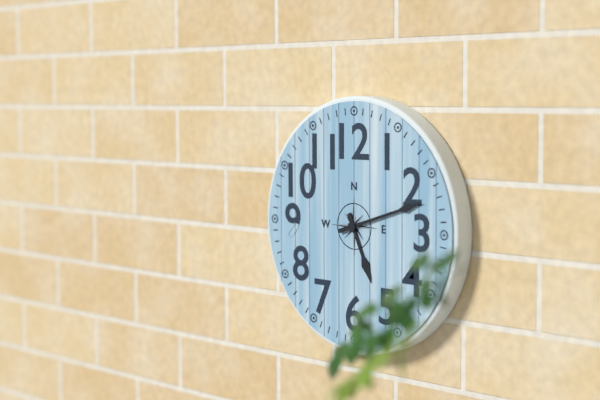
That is 5.12
